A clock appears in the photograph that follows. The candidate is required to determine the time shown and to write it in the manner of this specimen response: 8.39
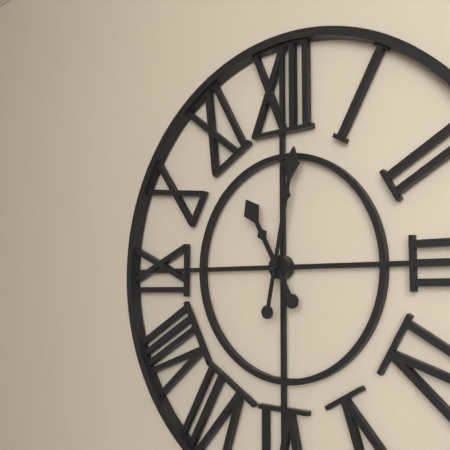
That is 11.02
